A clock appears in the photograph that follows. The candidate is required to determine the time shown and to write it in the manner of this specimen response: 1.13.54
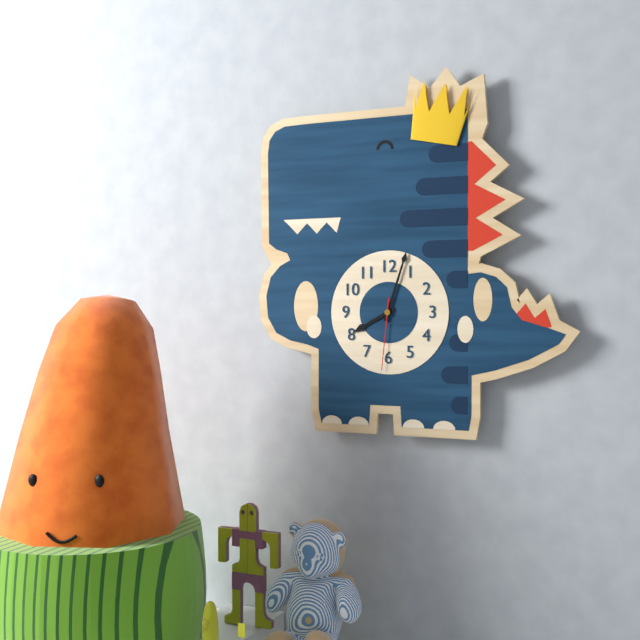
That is 8.03.31
